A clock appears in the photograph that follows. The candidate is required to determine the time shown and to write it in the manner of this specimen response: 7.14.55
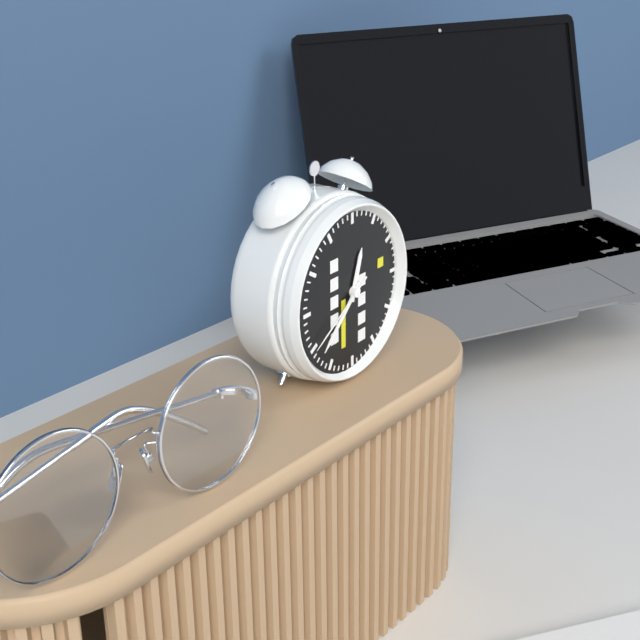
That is 12.38.40
